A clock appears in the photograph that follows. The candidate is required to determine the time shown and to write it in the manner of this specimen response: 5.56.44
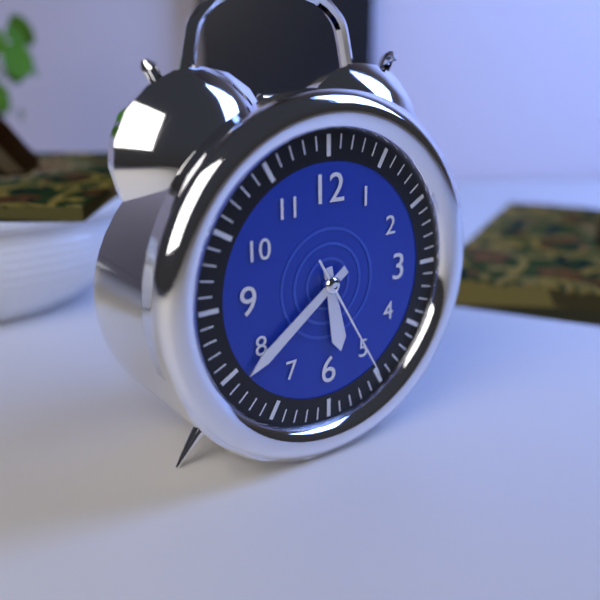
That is 5.39.25
